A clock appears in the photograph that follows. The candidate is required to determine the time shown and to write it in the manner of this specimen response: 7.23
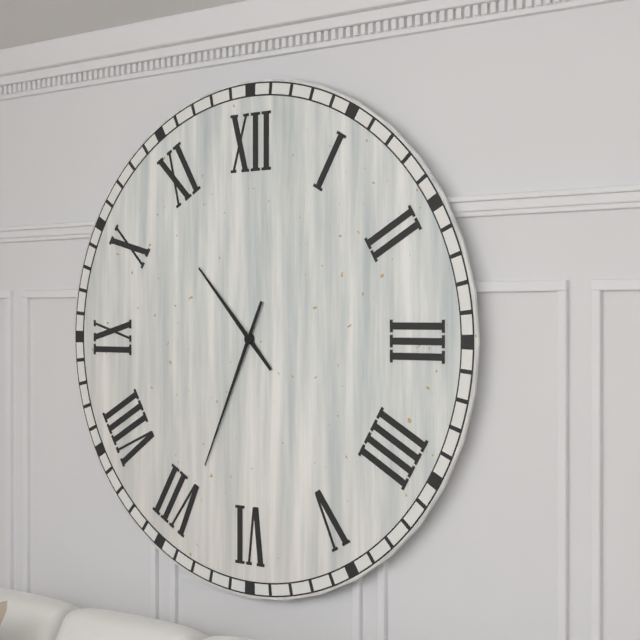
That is 10.34
